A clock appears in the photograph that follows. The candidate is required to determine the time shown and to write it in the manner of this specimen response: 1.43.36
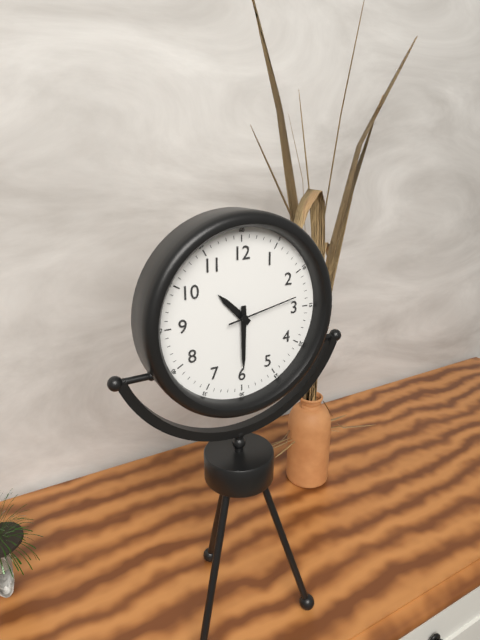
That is 10.30.13
